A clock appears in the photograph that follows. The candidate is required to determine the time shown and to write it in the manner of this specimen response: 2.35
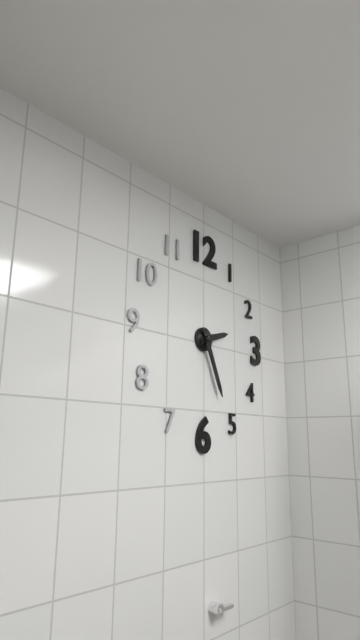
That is 2.26
